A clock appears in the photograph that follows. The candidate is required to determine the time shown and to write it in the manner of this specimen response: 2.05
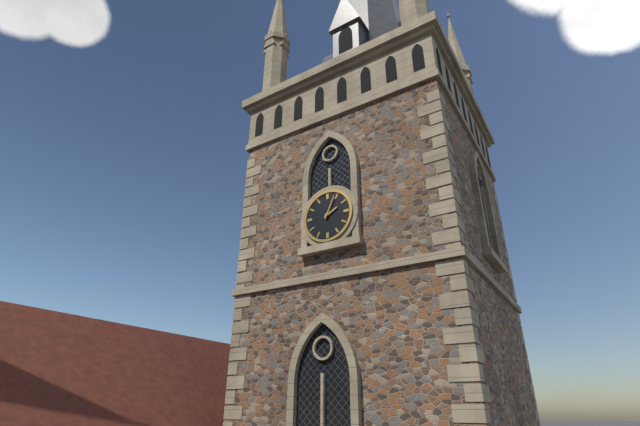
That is 2.04
